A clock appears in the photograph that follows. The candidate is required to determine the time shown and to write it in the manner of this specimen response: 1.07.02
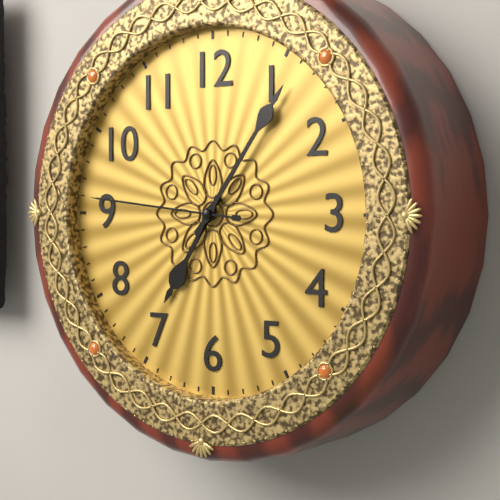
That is 7.06.46
